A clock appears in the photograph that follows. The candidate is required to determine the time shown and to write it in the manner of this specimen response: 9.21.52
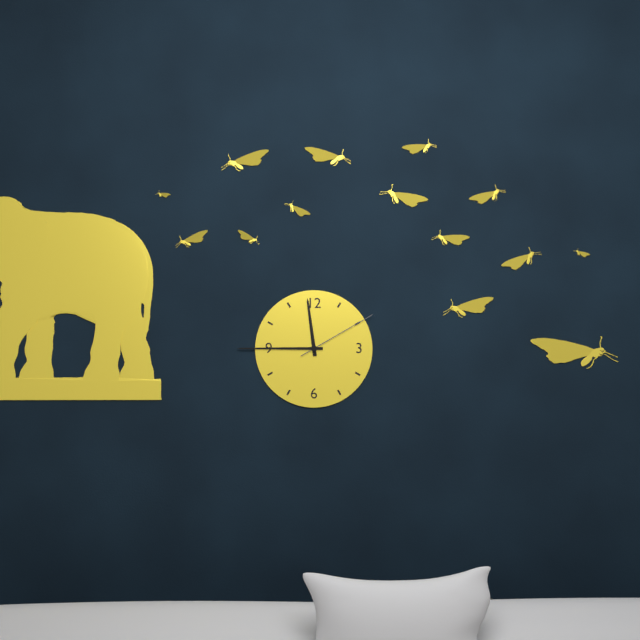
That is 11.45.10
